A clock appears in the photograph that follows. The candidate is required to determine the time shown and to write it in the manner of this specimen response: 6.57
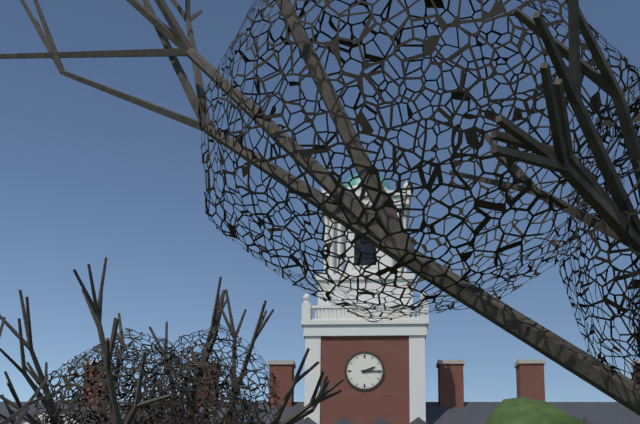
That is 2.15
